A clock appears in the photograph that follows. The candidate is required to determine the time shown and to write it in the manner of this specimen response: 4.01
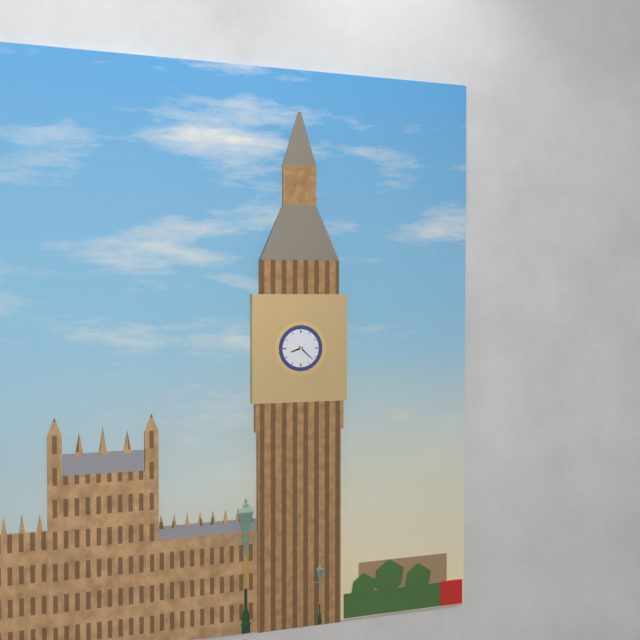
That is 8.22
